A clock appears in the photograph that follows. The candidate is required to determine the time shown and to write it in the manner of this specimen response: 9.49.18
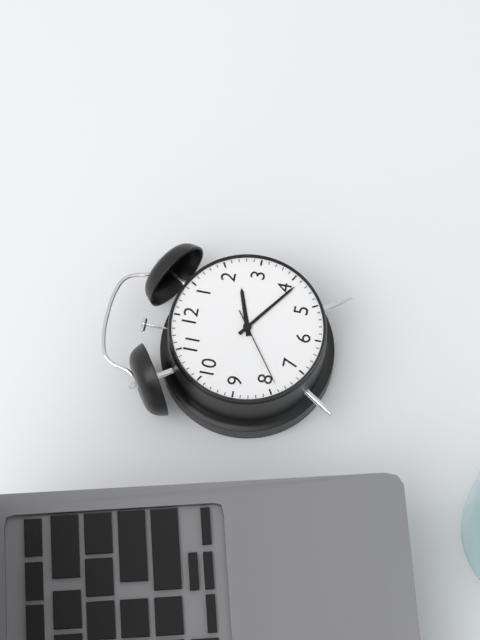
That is 2.21.39
